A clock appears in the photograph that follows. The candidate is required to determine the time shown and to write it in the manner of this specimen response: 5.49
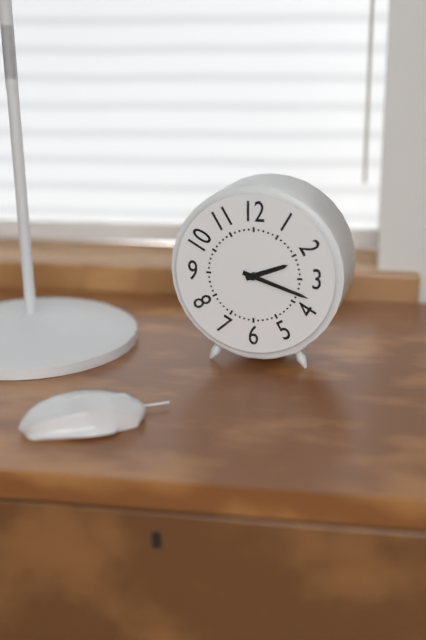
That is 2.18
